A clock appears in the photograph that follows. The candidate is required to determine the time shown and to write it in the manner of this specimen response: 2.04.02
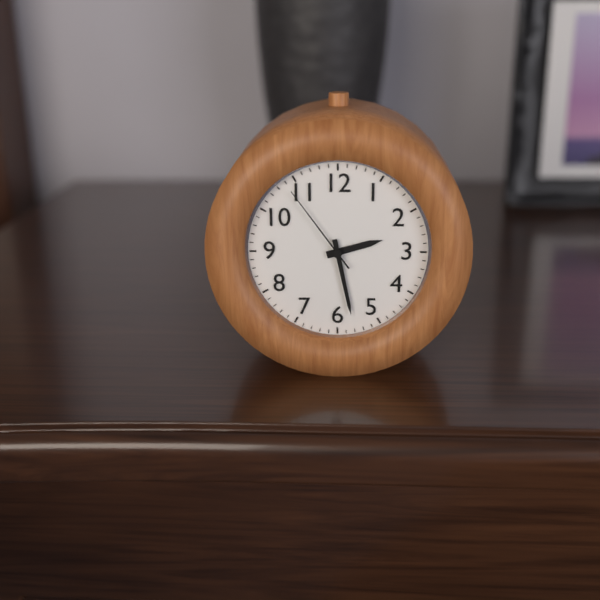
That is 2.28.54
